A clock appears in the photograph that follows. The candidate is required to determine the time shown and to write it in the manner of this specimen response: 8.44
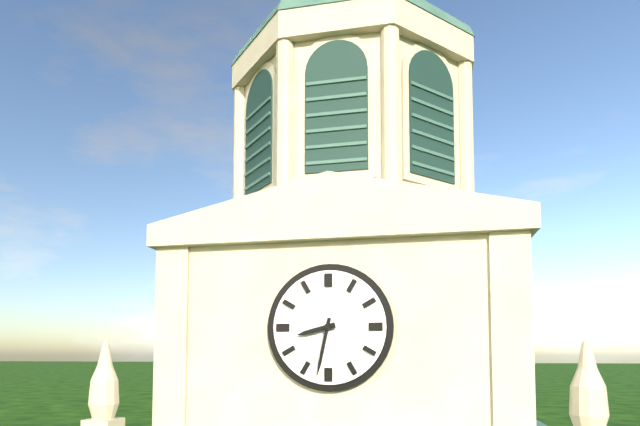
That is 8.32
